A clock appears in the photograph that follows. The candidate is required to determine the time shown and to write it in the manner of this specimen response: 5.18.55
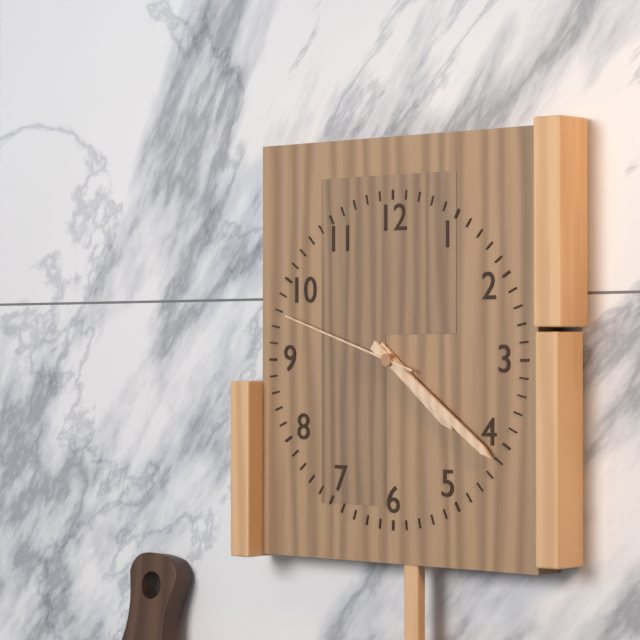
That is 4.21.48
